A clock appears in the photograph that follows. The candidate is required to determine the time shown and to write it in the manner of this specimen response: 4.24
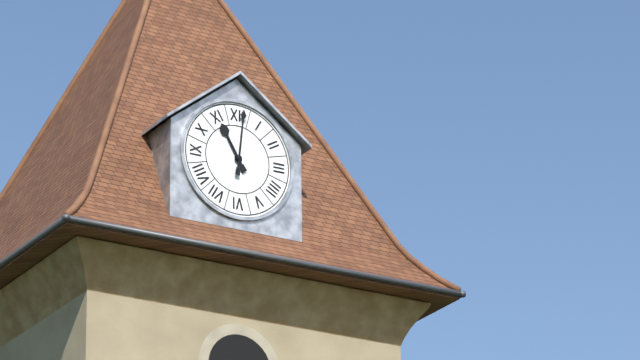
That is 11.01
